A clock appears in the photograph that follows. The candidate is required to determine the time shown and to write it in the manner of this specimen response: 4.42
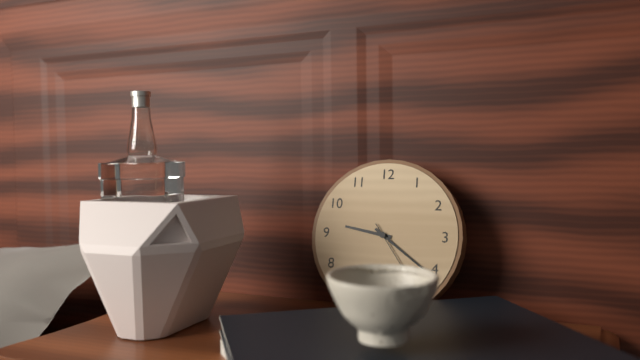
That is 9.21
